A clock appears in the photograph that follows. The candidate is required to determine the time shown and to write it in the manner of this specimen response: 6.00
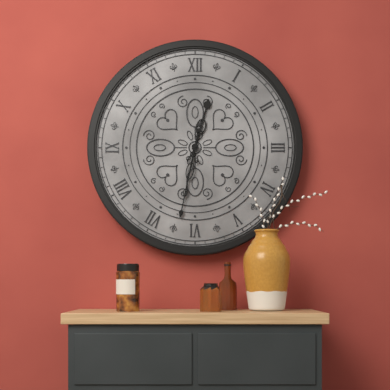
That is 12.32
